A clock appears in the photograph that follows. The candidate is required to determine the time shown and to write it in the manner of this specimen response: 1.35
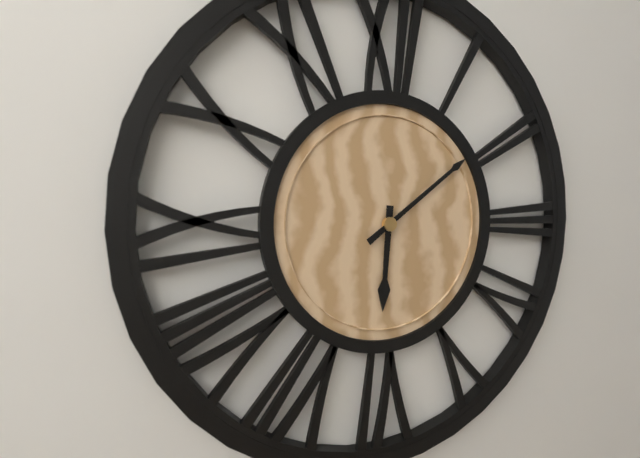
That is 6.09
